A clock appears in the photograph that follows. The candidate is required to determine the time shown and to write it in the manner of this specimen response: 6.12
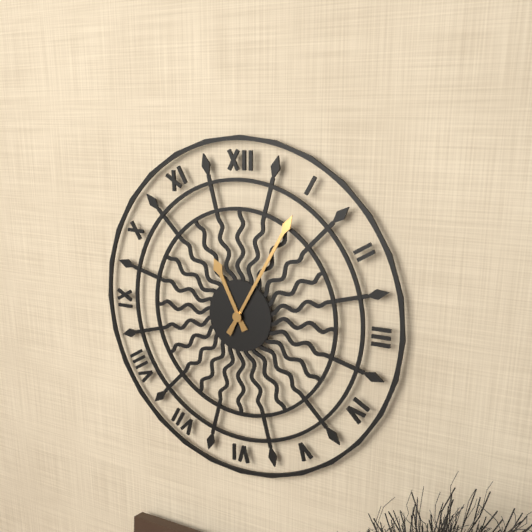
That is 11.05
